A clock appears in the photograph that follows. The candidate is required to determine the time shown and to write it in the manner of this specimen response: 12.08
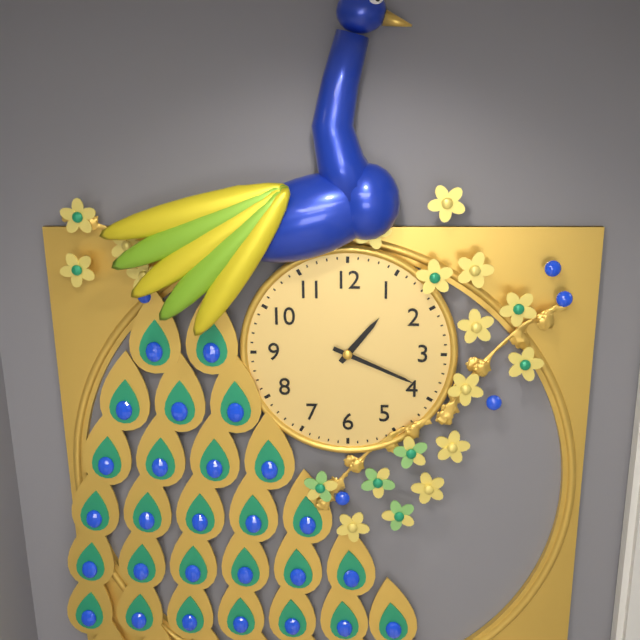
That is 1.19
